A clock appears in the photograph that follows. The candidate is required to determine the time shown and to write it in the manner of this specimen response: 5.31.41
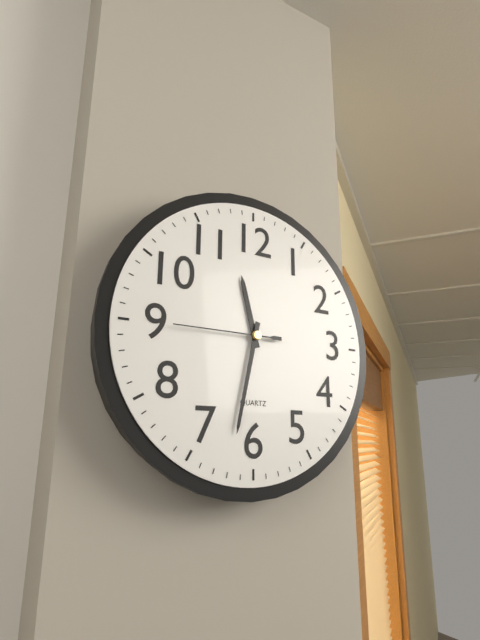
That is 11.32.45
